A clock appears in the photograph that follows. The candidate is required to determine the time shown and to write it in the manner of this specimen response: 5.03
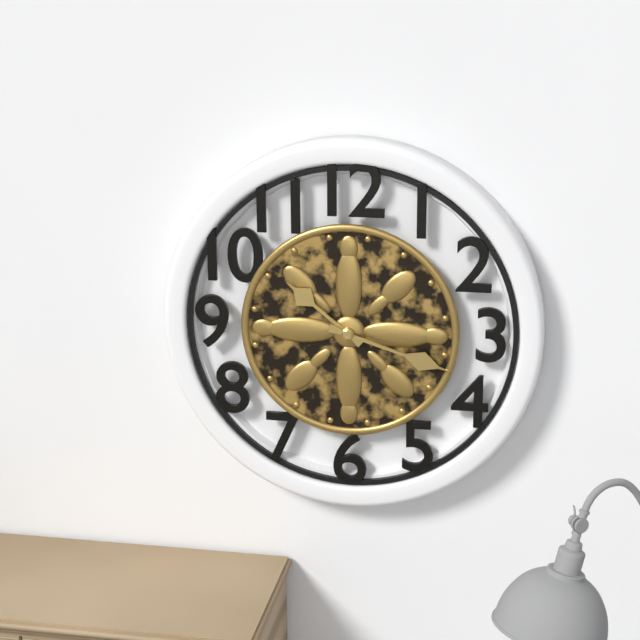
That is 10.18
